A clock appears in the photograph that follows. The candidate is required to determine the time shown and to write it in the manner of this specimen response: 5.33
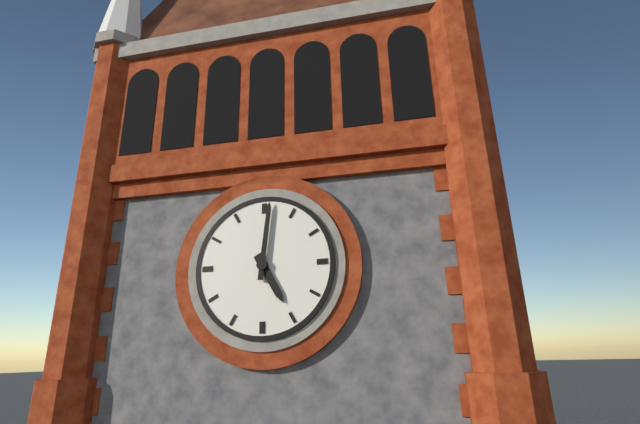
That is 5.01
